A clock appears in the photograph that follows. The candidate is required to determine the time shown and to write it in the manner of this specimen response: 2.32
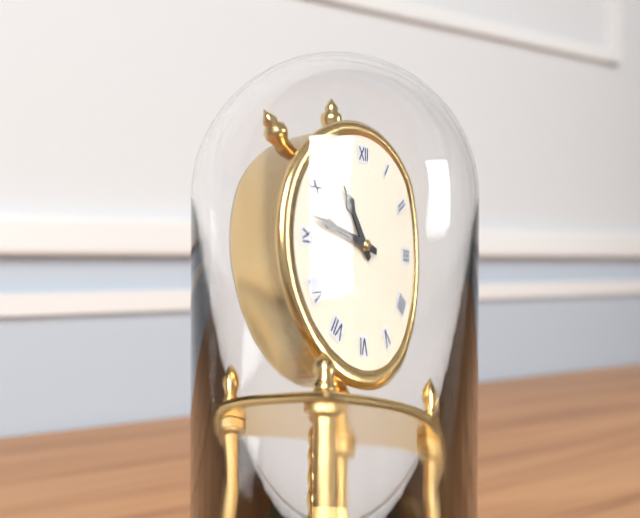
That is 10.47
